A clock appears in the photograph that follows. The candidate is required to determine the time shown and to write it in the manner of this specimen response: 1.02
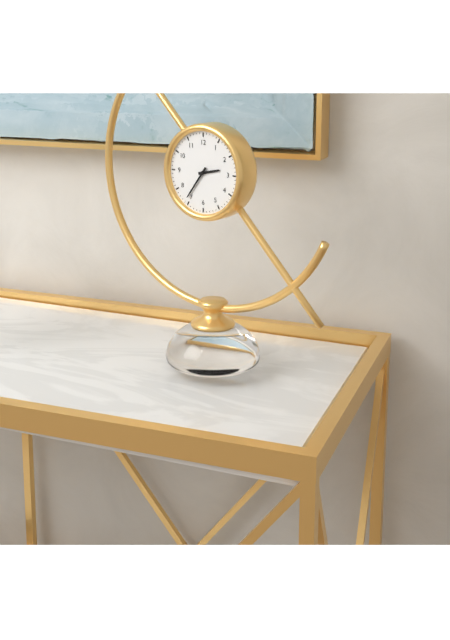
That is 2.36
